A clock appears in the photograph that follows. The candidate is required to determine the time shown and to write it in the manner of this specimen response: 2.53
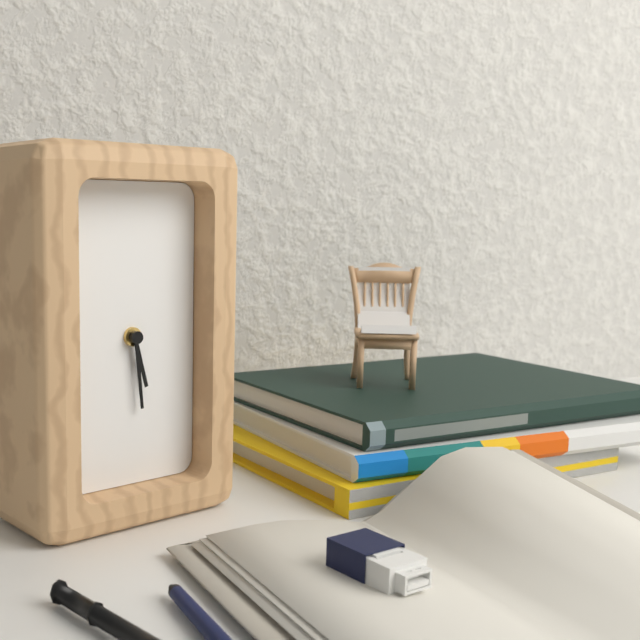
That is 5.29
